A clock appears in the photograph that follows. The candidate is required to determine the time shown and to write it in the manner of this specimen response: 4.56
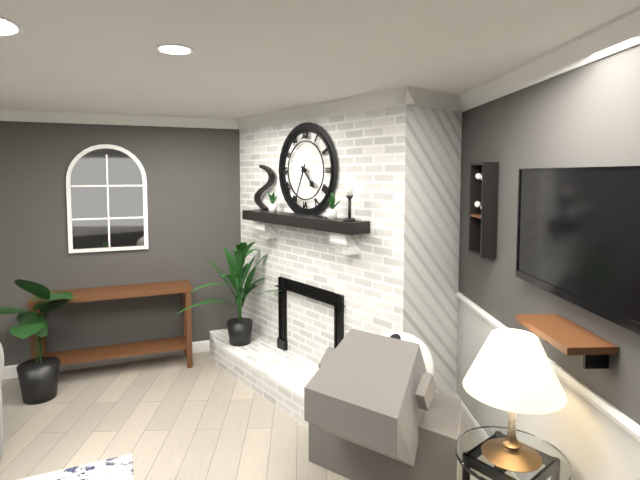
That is 4.34
